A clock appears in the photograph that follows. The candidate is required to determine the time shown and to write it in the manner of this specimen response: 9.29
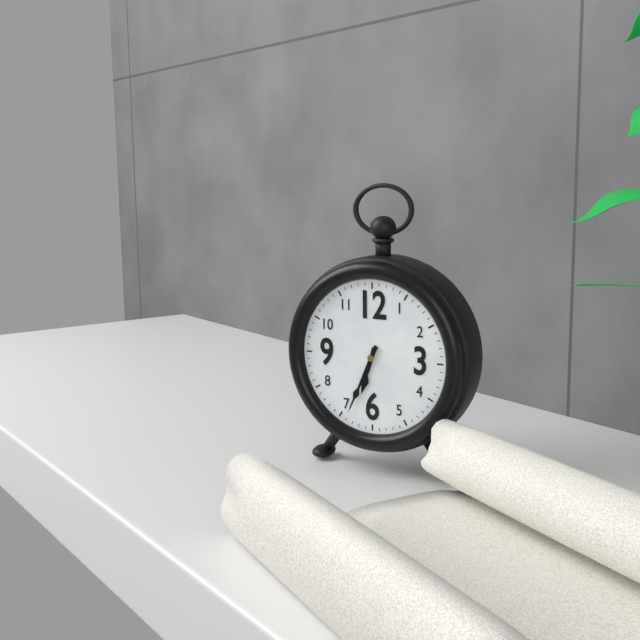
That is 6.34
